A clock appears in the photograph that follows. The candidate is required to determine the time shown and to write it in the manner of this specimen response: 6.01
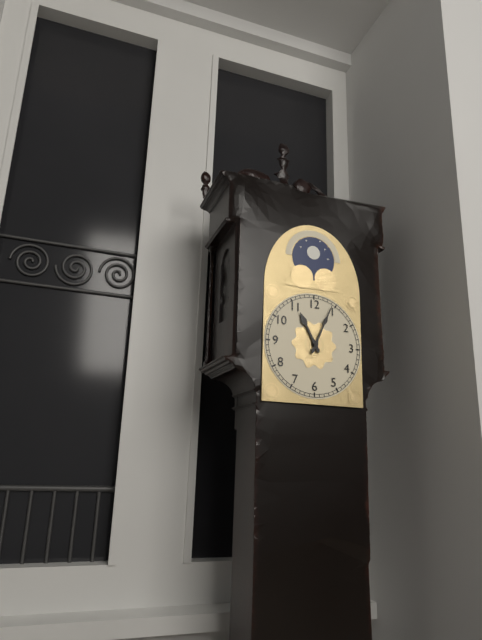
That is 11.04
